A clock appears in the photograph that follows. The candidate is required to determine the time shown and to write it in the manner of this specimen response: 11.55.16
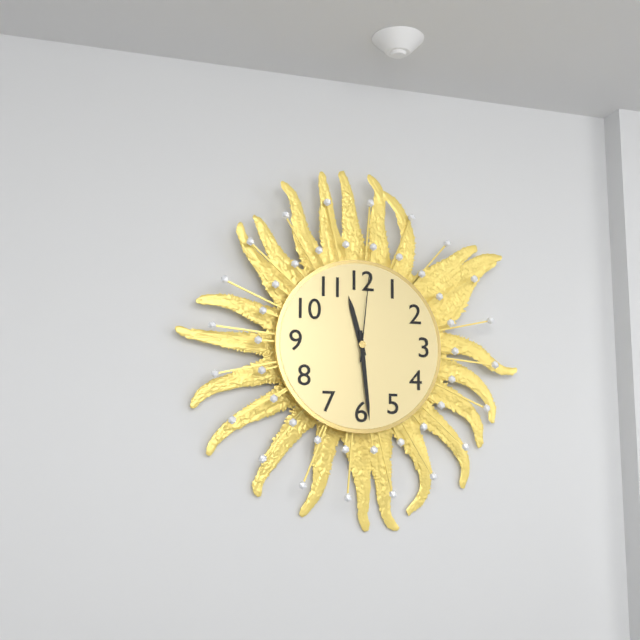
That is 11.29.01
